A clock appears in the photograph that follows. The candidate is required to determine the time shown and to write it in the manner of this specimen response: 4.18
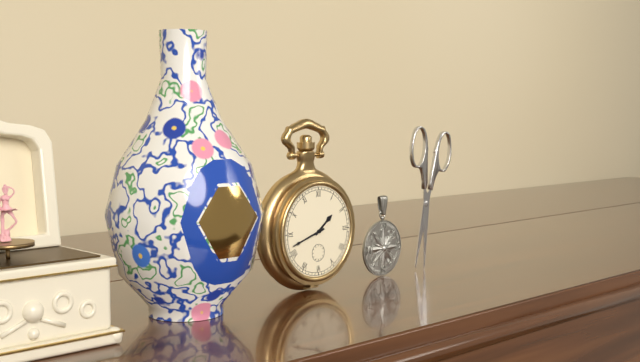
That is 1.42
